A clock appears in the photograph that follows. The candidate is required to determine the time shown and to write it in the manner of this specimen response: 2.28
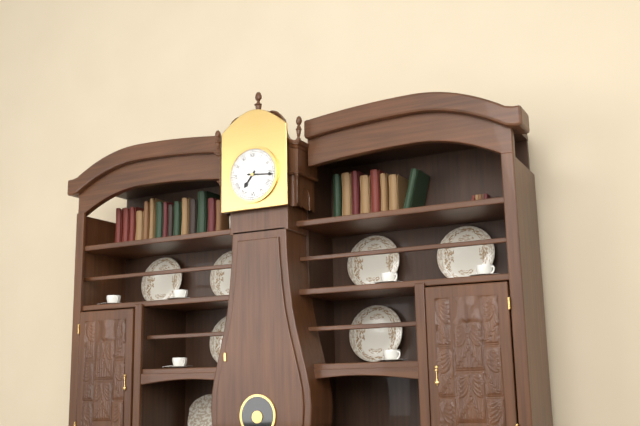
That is 7.16
